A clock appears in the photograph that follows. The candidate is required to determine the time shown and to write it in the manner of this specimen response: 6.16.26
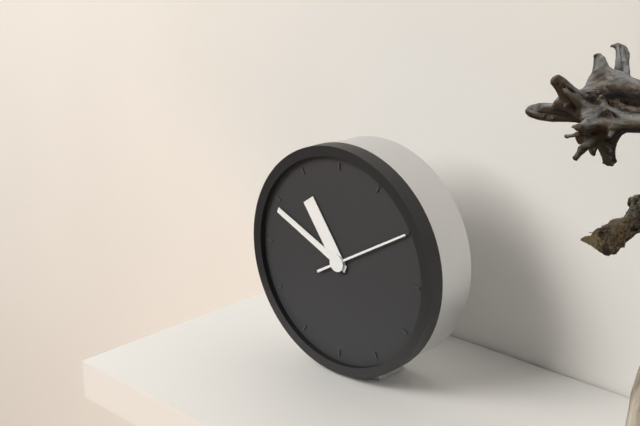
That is 10.49.10
